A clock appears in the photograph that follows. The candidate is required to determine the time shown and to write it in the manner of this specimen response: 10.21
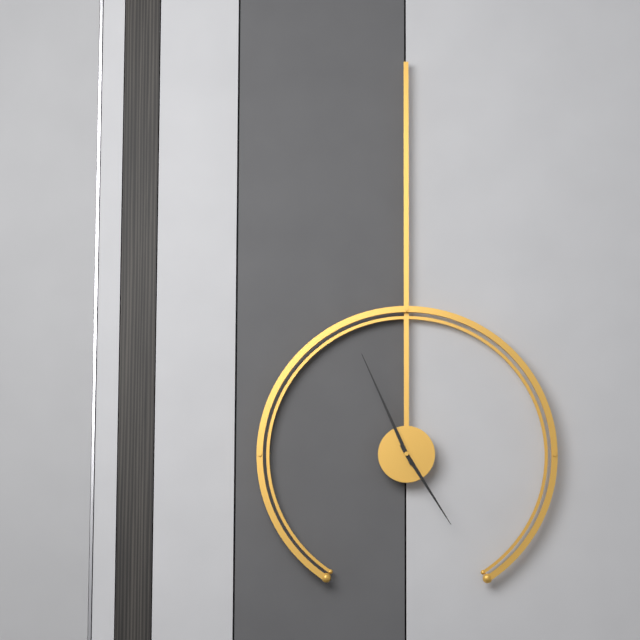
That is 4.56
